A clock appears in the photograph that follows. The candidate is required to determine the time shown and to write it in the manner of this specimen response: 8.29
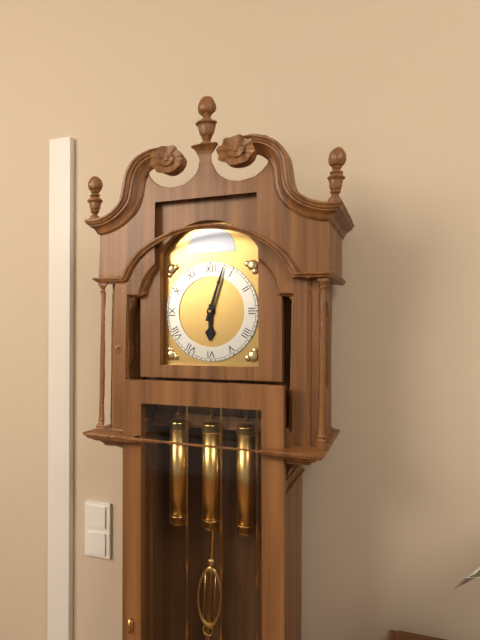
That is 6.03
